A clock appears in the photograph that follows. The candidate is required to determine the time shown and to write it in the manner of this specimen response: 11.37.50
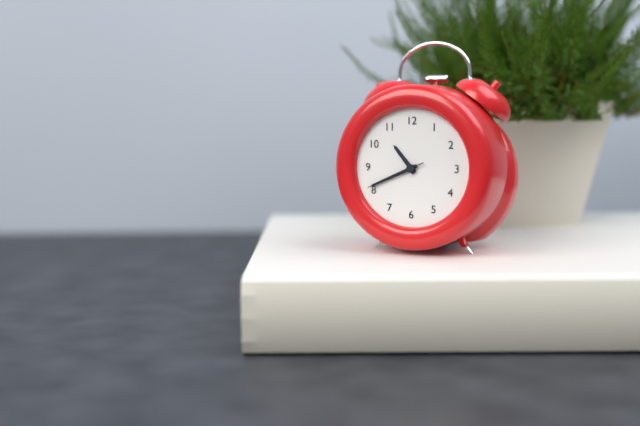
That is 10.41.41
